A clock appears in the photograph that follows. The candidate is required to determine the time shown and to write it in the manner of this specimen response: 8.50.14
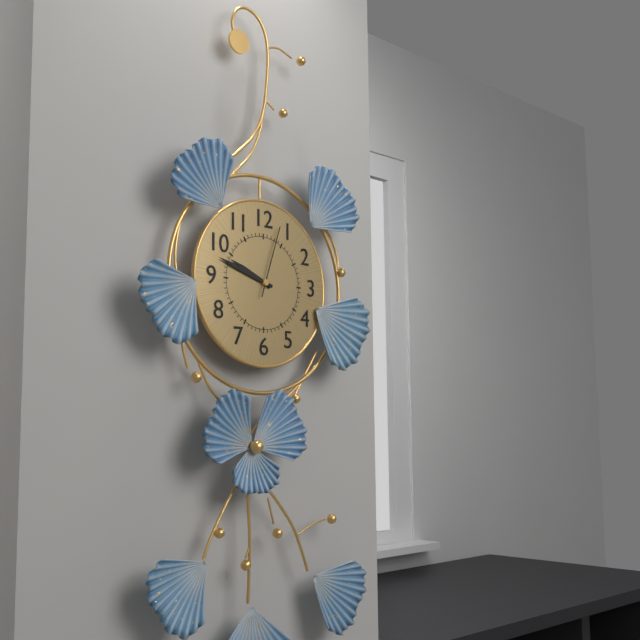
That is 9.48.03
